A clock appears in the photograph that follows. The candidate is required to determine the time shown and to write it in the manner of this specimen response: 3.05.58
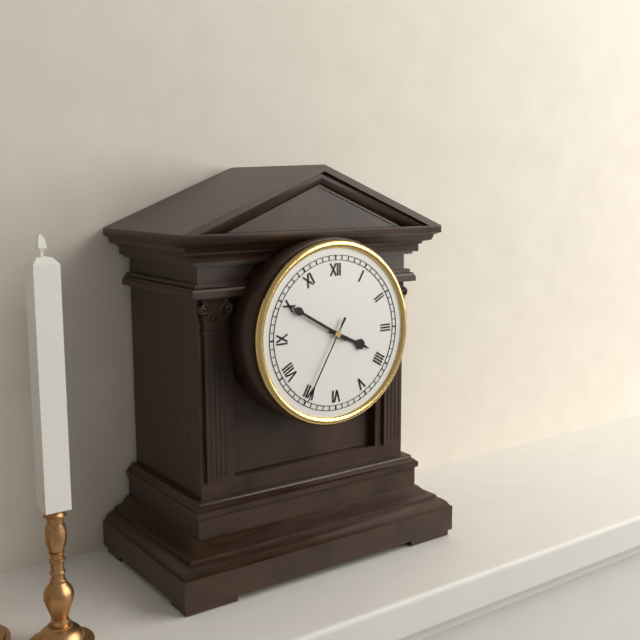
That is 3.50.35
